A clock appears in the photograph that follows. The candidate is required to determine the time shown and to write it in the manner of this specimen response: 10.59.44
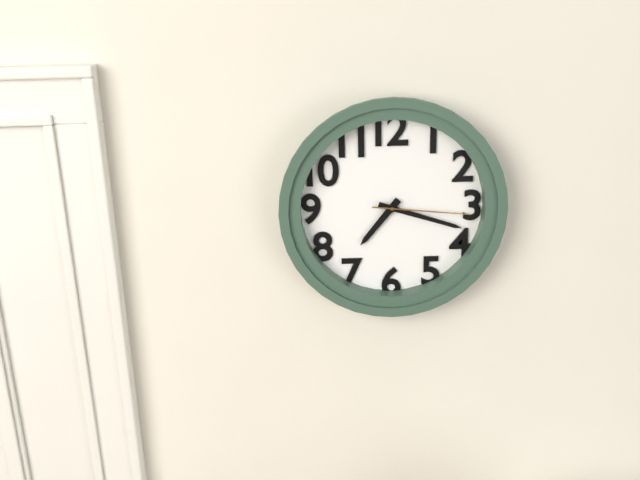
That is 7.18.16
